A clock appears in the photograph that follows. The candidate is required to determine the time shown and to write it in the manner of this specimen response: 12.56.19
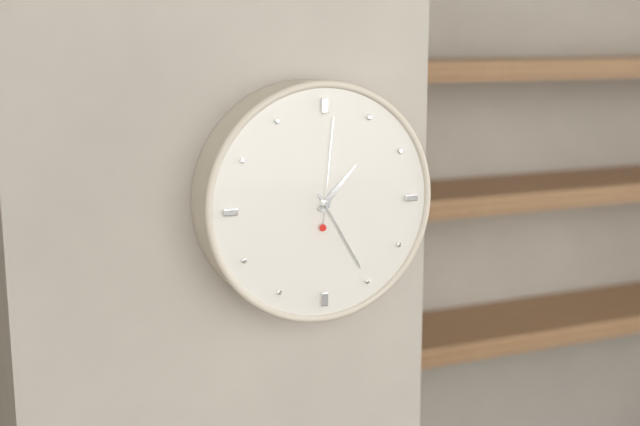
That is 1.25.01
